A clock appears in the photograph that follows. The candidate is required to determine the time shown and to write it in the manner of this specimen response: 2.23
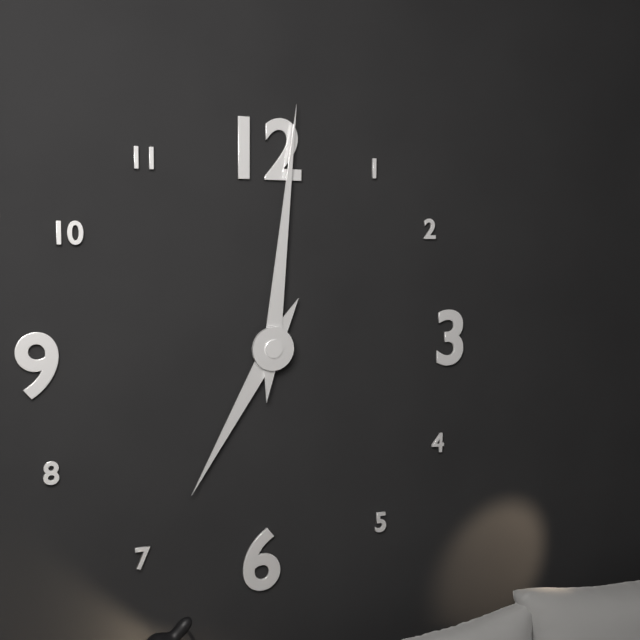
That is 7.01
